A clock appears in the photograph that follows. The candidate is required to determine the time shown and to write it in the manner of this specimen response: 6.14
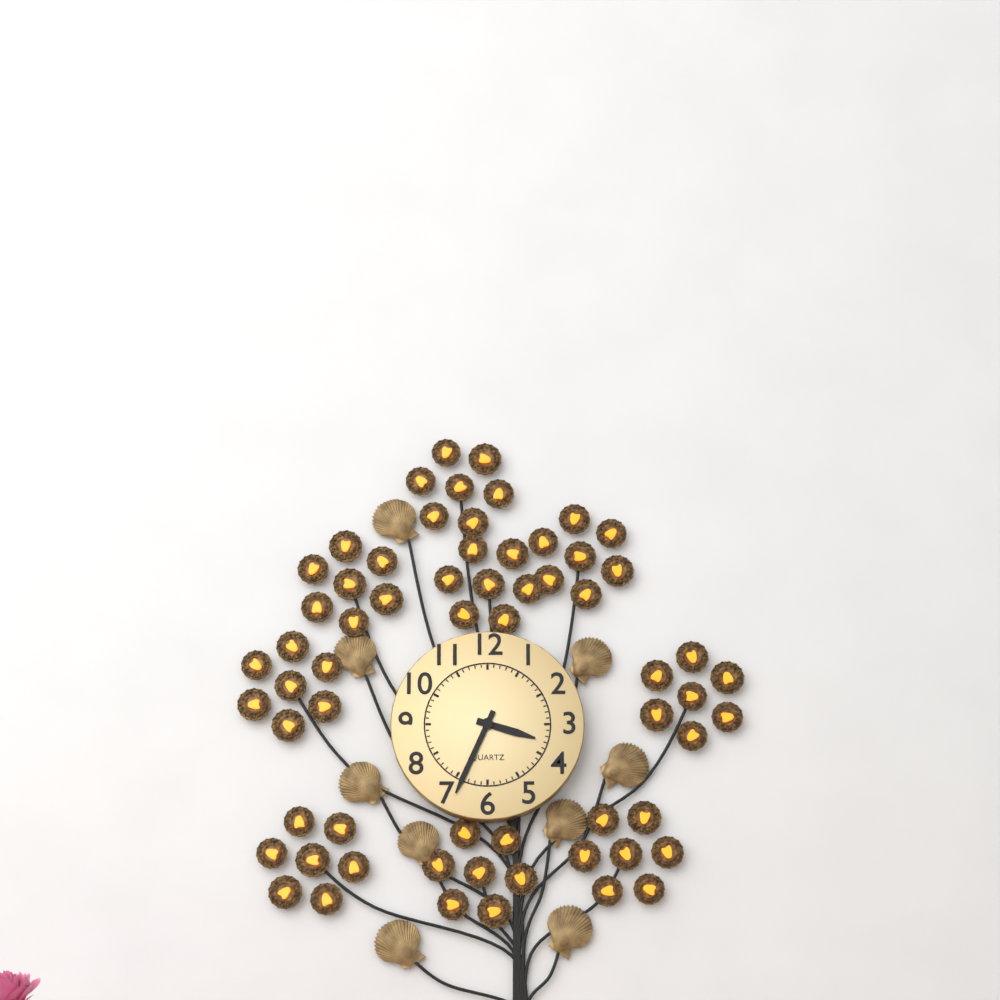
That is 3.34
